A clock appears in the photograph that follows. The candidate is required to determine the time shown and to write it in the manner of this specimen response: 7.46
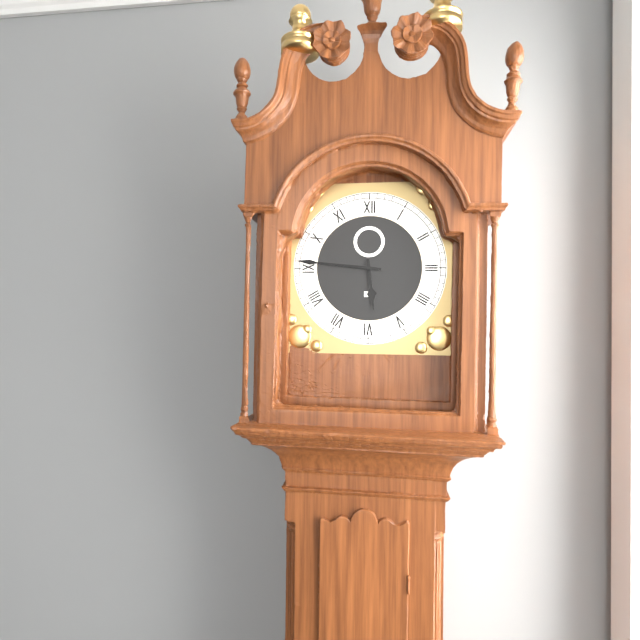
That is 5.46
